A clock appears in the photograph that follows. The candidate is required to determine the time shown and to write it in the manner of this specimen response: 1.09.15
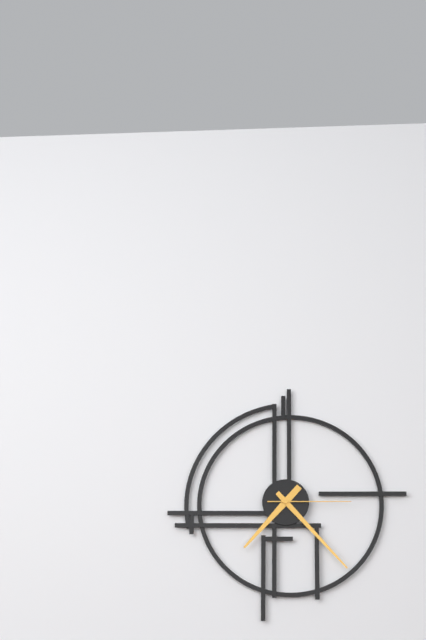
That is 7.23.15
